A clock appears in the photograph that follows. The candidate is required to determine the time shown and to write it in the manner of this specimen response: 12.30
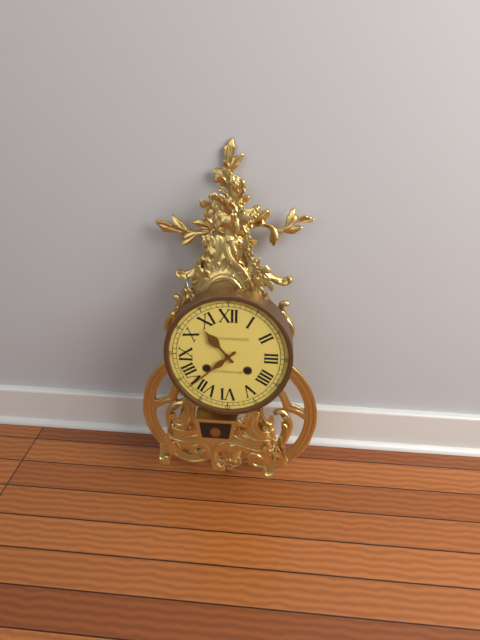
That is 10.38
